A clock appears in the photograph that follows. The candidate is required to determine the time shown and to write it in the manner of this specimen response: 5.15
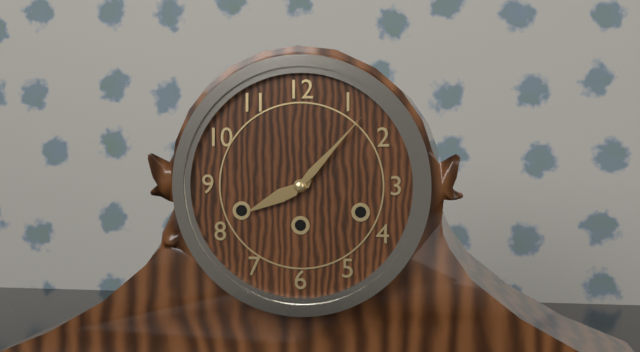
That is 8.07
